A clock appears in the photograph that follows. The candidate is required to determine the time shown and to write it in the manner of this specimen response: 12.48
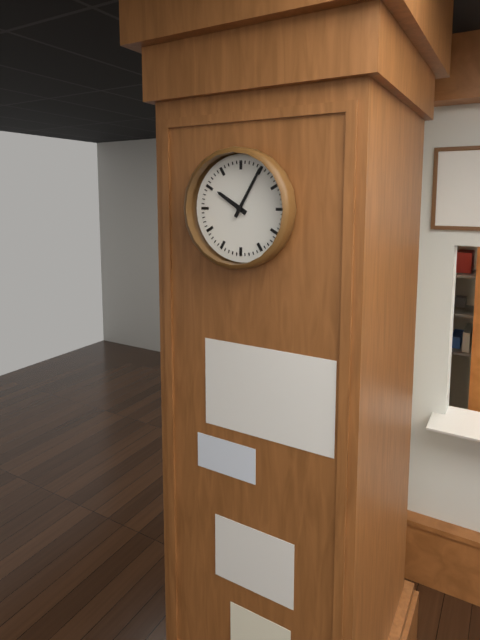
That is 10.05
